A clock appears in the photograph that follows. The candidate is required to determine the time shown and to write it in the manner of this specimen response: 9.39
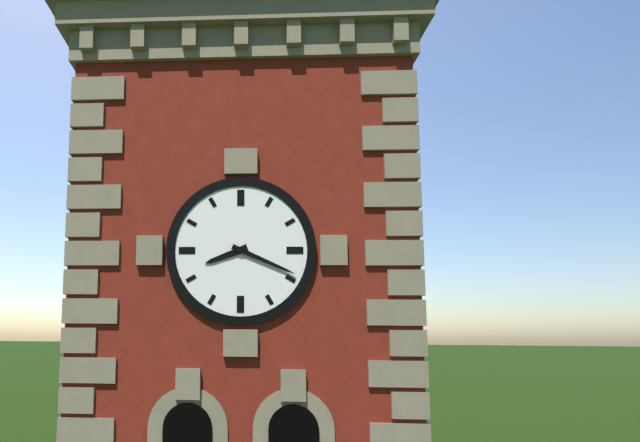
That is 8.19
